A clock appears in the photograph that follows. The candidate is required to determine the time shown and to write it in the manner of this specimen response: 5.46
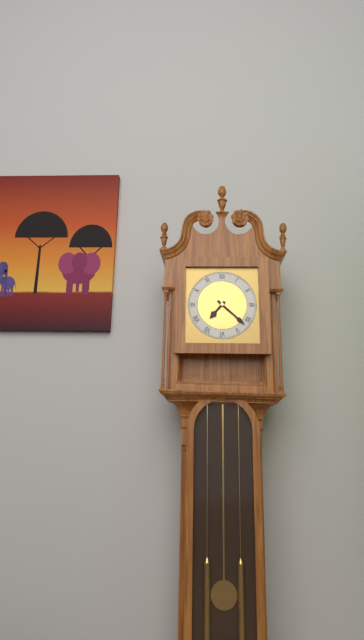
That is 7.22
